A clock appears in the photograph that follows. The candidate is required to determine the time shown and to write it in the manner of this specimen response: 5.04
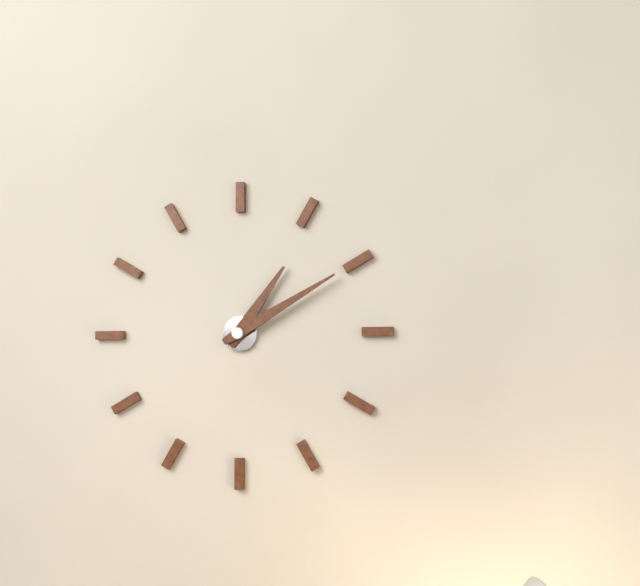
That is 1.10
